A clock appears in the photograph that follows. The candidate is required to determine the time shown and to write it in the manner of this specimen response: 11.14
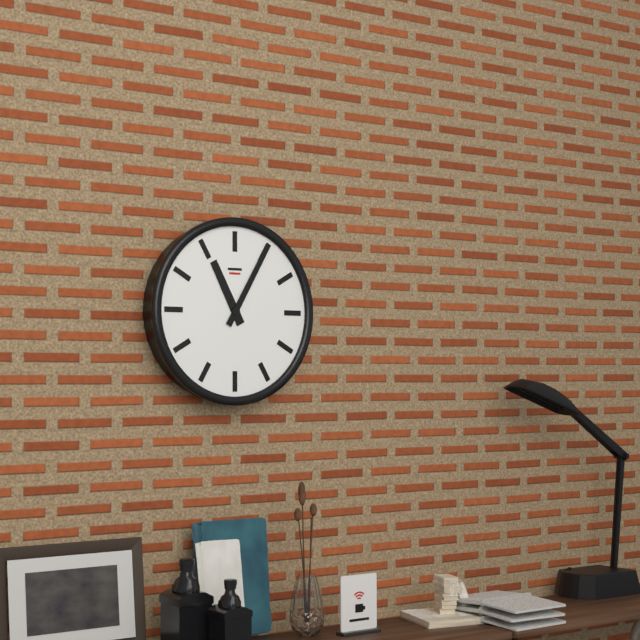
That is 11.05
